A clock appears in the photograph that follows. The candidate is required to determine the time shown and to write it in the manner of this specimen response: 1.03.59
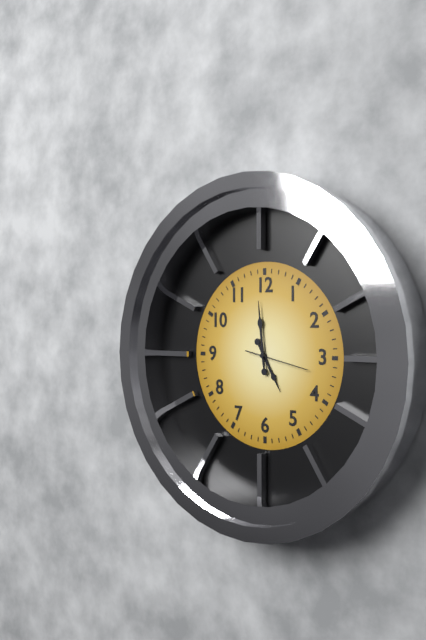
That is 4.59.17
